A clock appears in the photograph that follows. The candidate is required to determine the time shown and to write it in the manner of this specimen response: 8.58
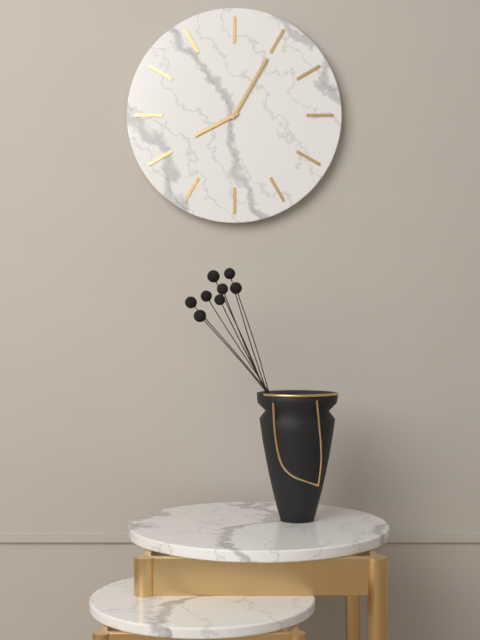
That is 8.05
